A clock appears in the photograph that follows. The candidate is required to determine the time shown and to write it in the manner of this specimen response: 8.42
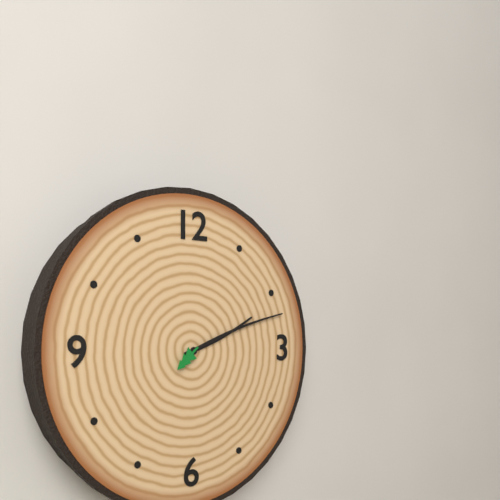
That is 2.12
